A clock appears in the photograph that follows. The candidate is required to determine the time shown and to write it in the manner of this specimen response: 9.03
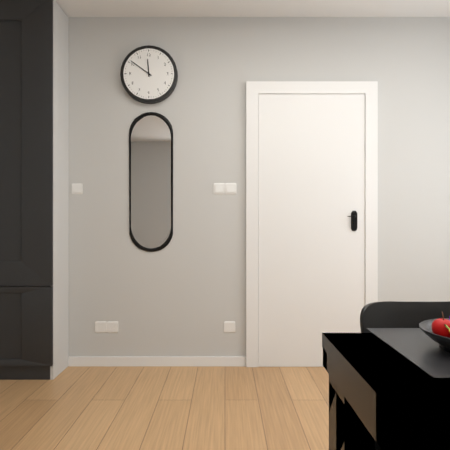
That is 11.51
